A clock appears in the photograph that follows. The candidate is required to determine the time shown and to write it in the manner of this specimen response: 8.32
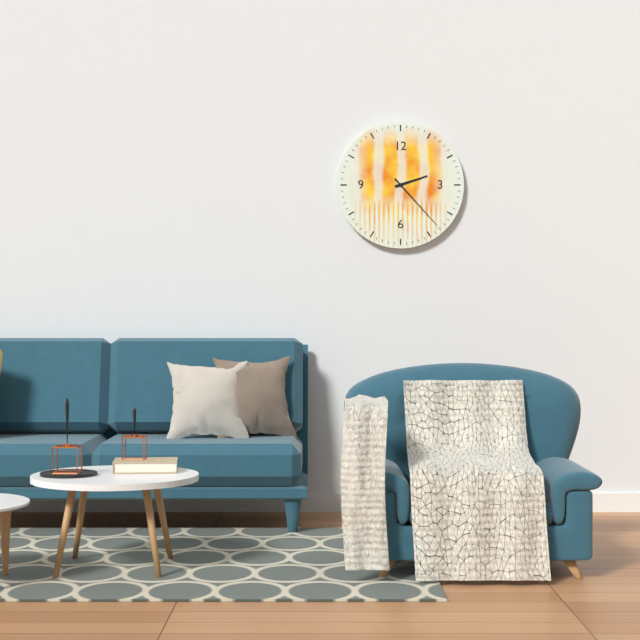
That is 2.23
